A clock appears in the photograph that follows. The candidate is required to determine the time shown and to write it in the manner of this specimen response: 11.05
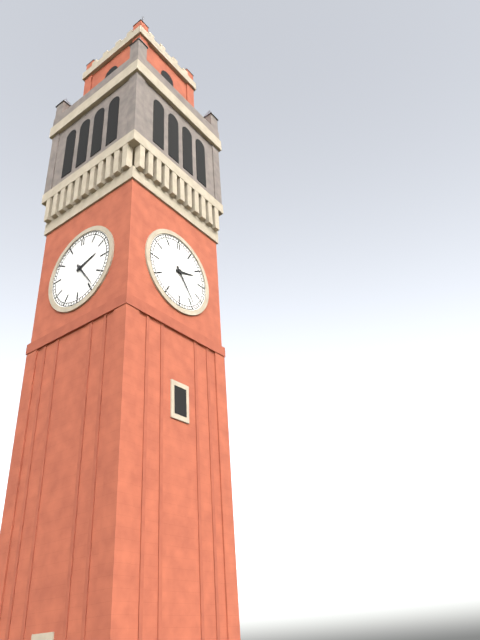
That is 2.24
